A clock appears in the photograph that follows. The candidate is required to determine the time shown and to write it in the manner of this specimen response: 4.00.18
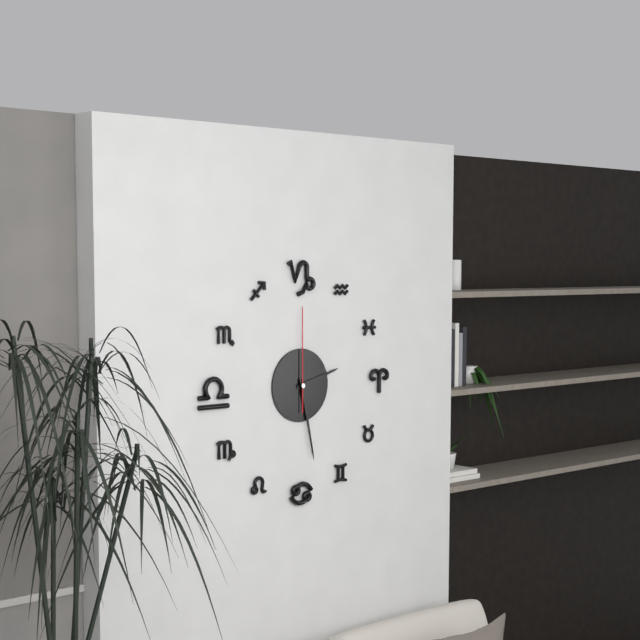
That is 2.28.00
